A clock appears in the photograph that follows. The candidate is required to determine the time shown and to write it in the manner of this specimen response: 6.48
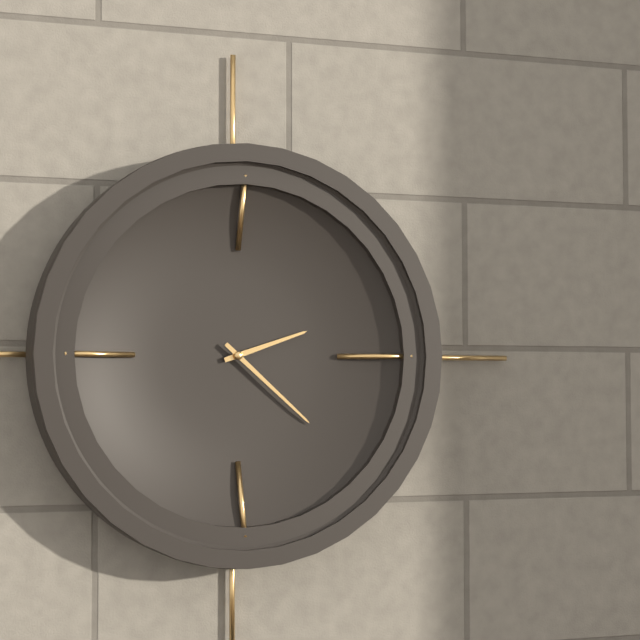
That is 2.22
